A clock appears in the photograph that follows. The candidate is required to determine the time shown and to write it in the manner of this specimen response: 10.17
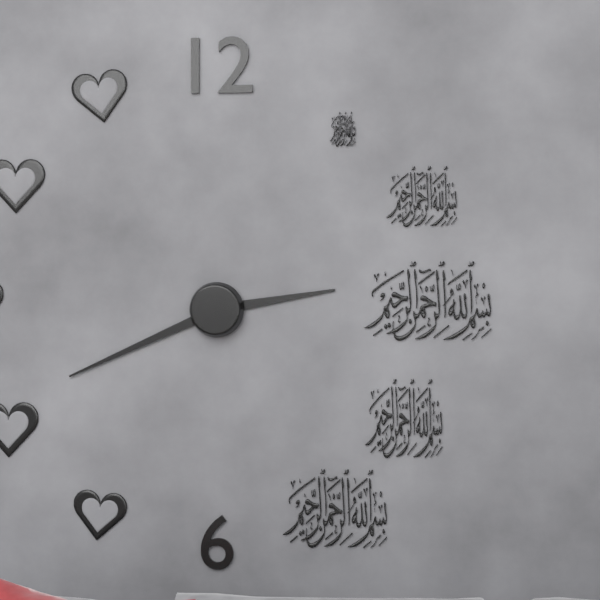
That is 2.41
